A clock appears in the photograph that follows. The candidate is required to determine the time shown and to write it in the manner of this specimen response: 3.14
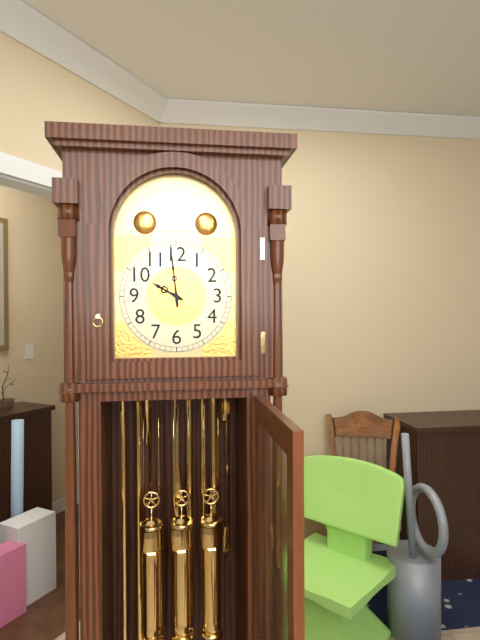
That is 9.59
